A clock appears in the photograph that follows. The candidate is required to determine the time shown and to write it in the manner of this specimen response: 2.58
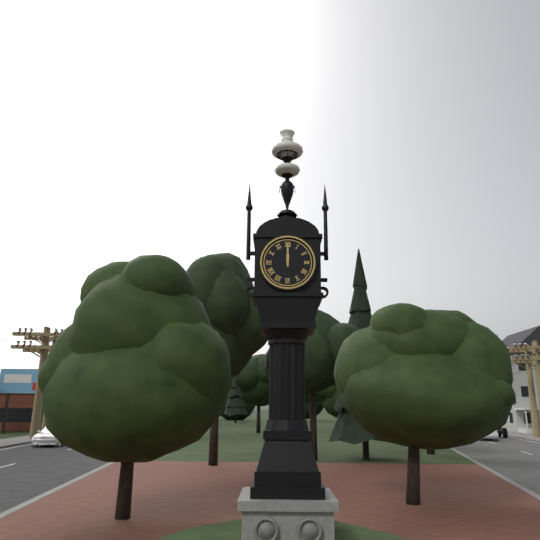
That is 12.00
